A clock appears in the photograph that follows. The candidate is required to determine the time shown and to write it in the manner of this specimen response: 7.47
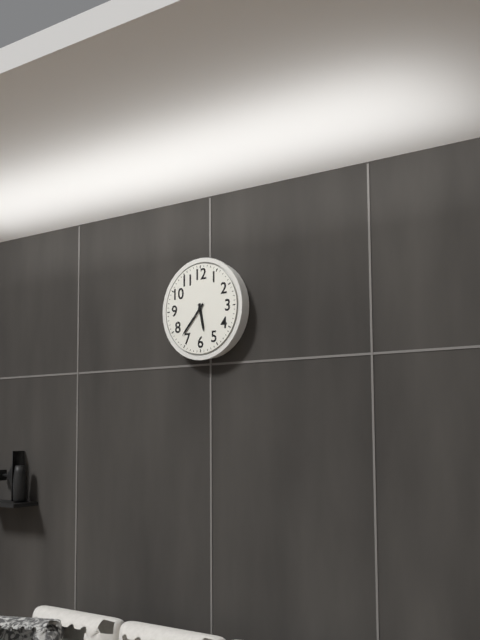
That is 5.37
